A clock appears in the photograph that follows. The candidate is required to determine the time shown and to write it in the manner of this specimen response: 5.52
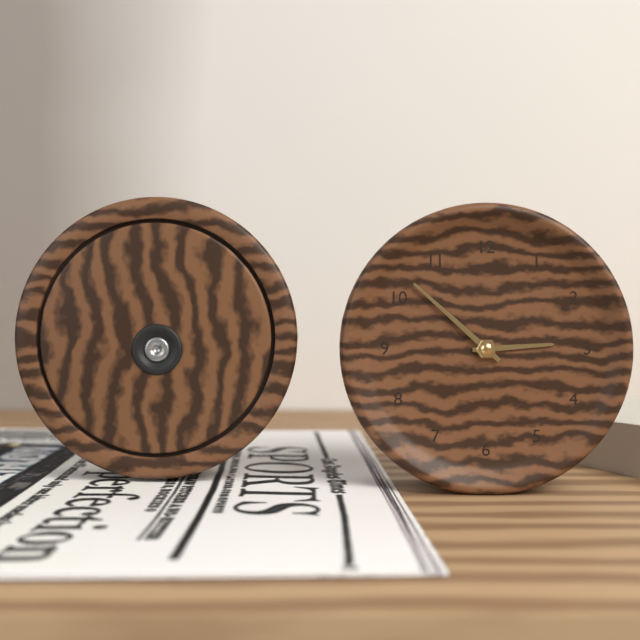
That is 2.52
